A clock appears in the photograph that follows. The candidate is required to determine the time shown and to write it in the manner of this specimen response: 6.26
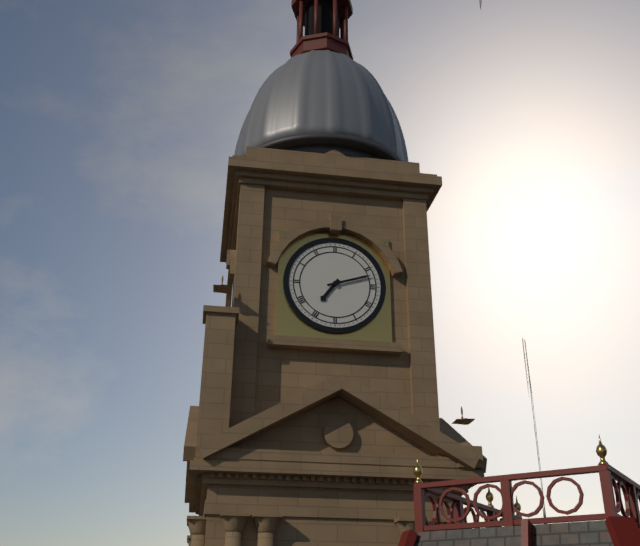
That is 7.12
